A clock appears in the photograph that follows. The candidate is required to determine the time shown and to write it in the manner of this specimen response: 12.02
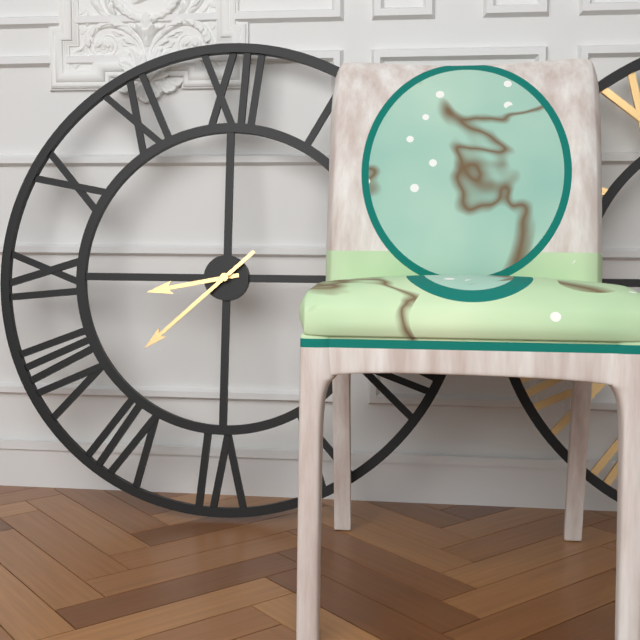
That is 8.38
